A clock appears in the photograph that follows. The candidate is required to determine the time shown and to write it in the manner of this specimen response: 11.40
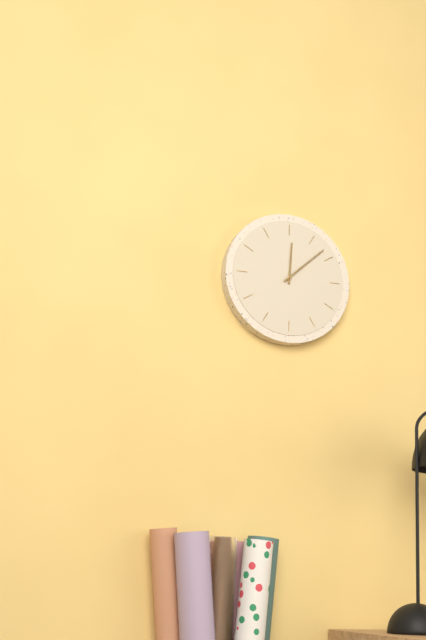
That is 12.08
